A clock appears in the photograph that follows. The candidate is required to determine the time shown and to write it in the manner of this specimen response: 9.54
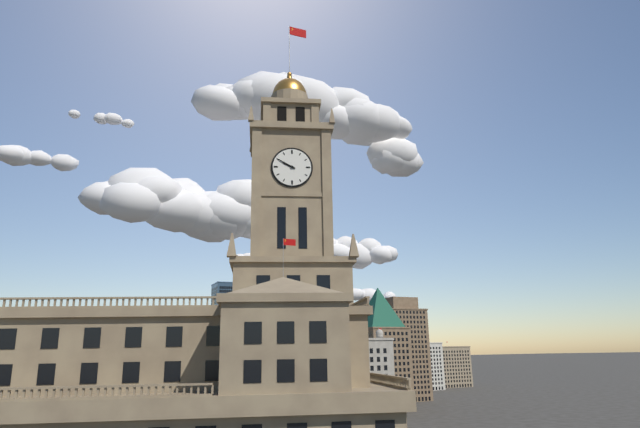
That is 9.50
